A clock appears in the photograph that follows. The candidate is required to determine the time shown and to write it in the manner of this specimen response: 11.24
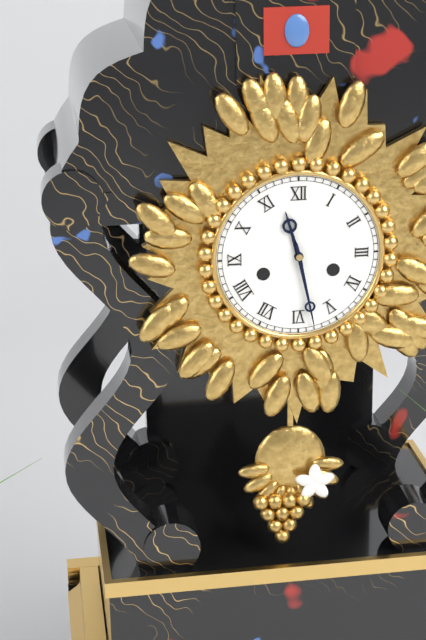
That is 11.28
